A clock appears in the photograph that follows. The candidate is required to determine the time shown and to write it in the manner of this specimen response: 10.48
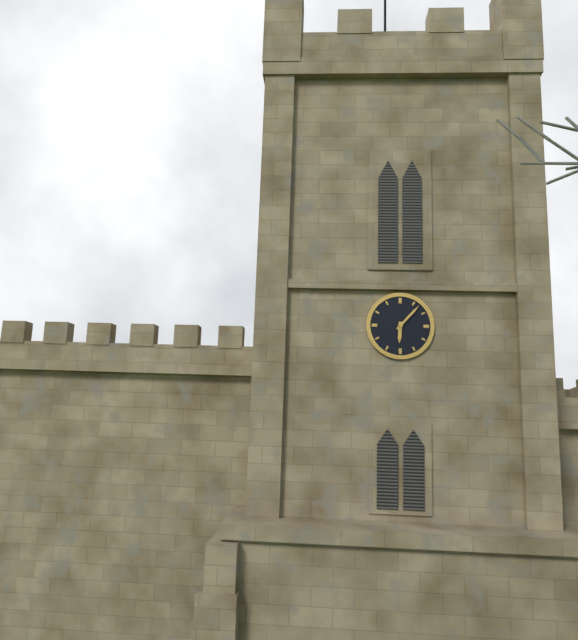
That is 6.07
